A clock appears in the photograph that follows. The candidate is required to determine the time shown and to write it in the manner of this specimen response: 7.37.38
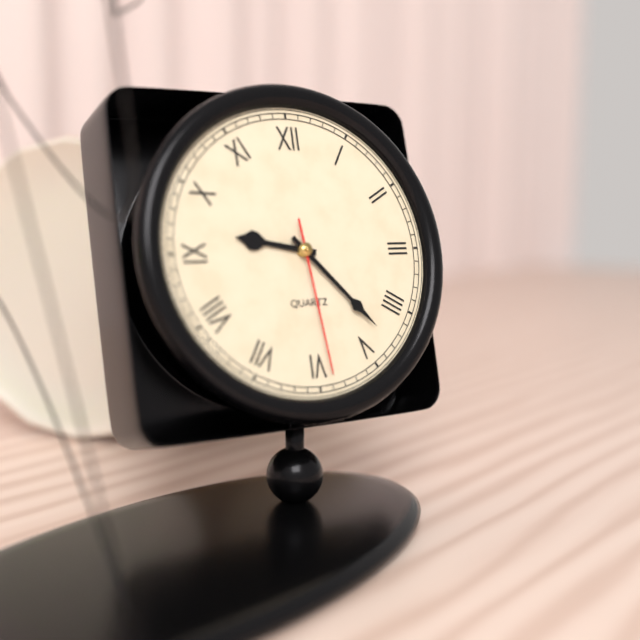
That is 9.23.29
